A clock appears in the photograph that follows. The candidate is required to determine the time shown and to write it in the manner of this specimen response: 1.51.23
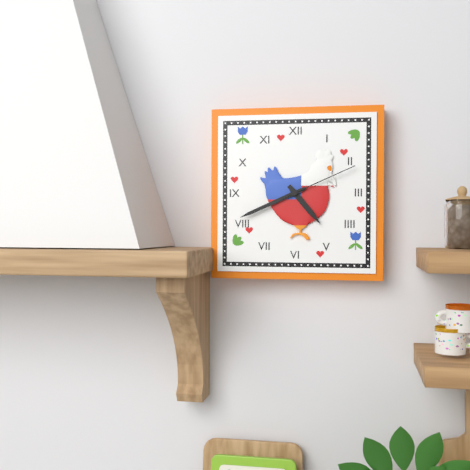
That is 4.41.11
